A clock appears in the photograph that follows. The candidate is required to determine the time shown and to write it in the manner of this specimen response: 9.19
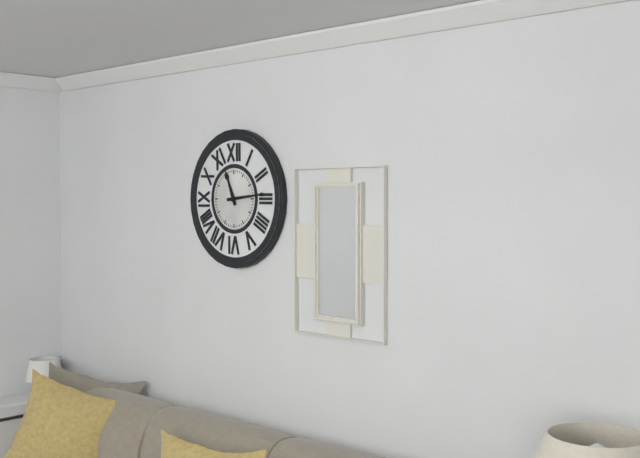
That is 11.14
